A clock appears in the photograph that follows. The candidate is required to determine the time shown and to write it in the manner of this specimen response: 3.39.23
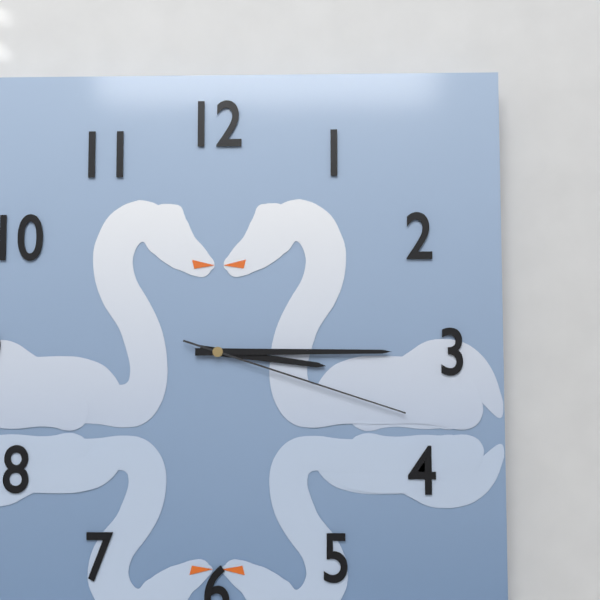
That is 3.15.18
